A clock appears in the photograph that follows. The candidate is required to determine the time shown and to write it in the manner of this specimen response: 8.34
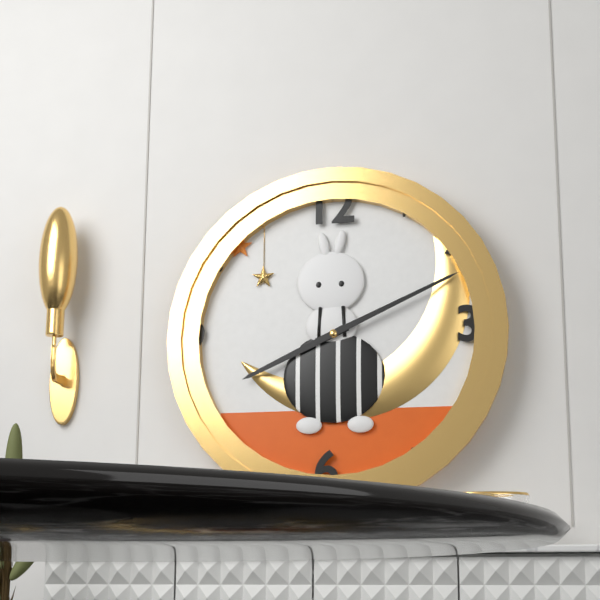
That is 8.11
